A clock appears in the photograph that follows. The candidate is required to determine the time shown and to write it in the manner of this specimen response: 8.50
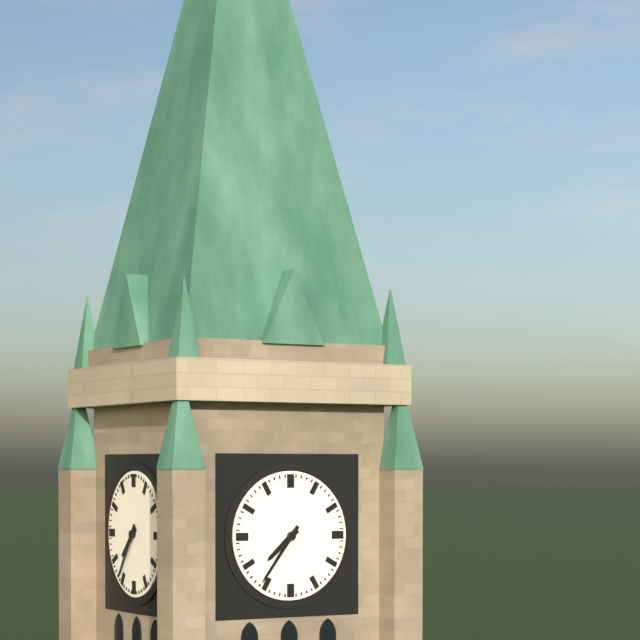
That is 7.36
